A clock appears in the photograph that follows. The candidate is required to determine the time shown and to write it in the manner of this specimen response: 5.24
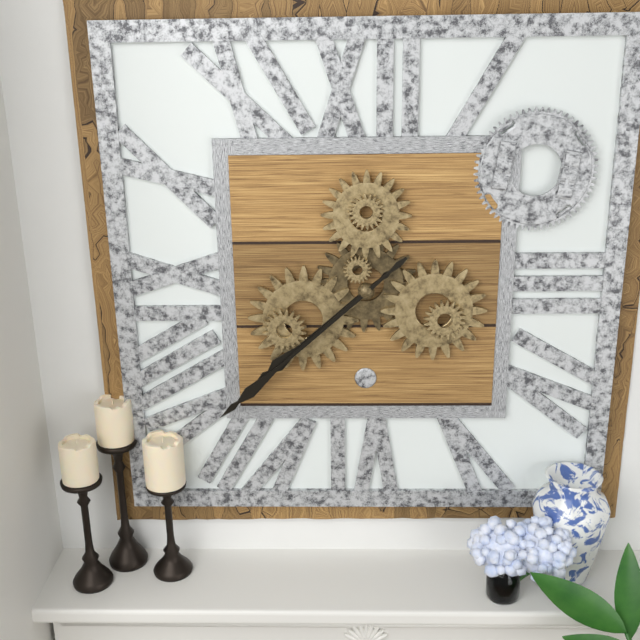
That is 7.38
